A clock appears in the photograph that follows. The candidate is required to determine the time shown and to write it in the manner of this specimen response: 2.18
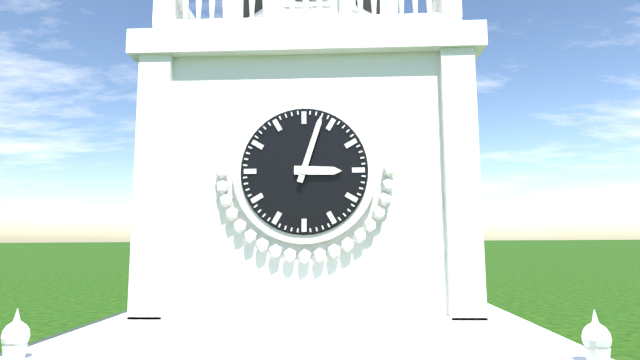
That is 3.03
